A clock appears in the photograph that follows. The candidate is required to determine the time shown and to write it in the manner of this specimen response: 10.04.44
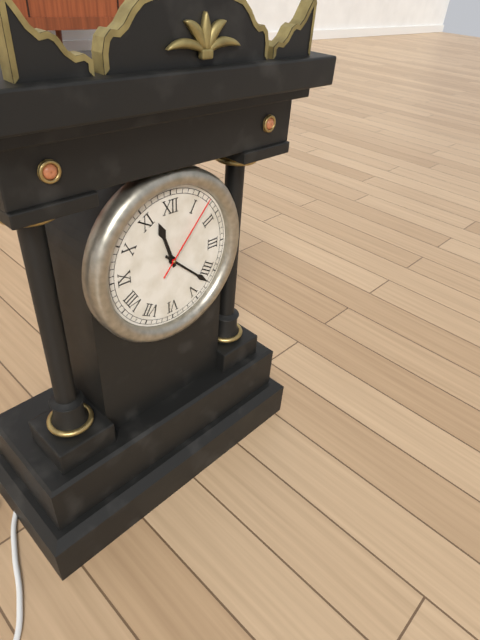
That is 11.22.07
